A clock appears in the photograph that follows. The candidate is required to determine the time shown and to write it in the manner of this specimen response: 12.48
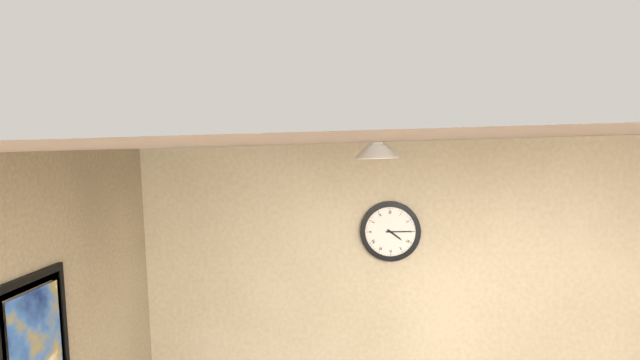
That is 4.15
